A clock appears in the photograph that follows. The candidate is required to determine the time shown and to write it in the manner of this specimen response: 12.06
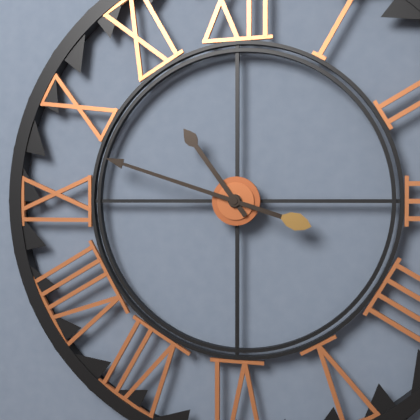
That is 10.48
